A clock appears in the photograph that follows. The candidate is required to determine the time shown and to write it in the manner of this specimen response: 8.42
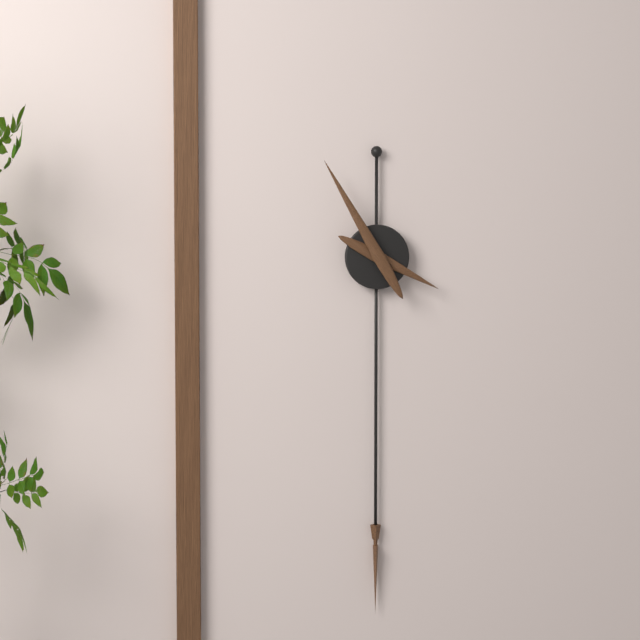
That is 3.55
